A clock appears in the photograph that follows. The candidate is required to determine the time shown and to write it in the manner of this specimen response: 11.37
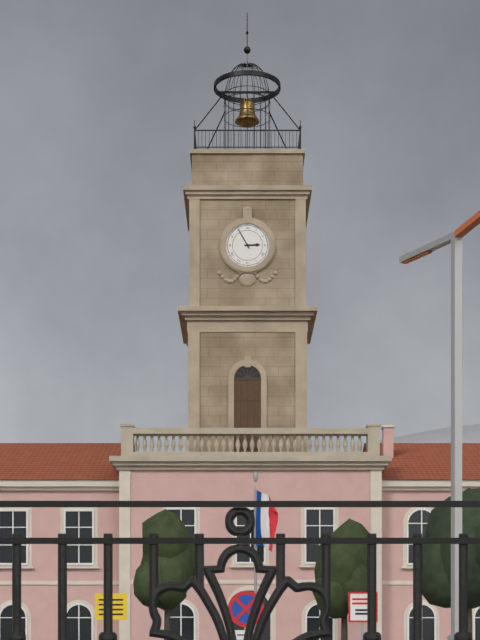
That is 2.55
